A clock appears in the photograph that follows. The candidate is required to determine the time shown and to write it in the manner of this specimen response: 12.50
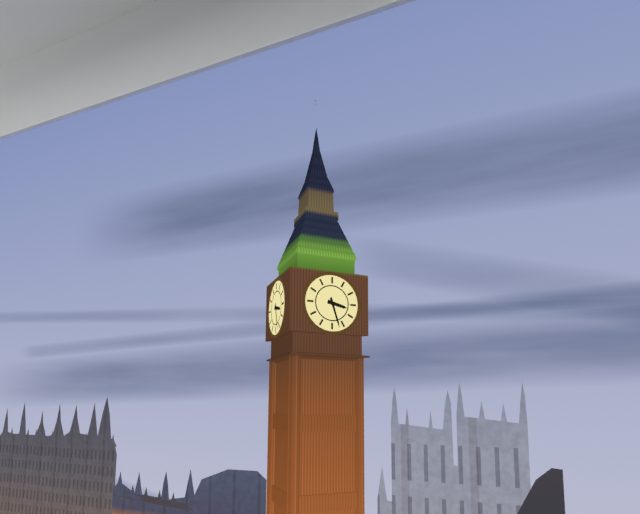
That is 3.27
